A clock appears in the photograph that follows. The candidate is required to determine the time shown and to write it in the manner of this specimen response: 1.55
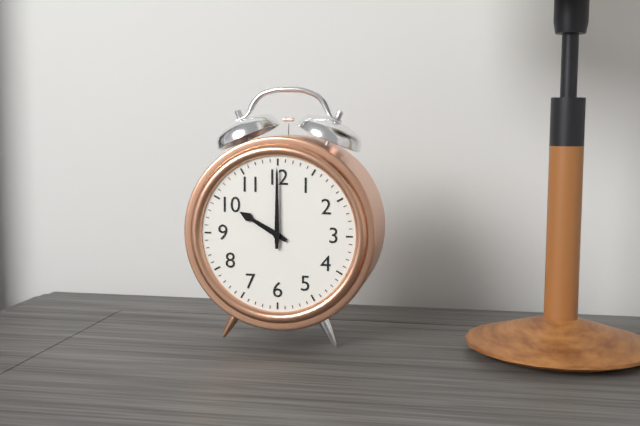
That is 10.00
